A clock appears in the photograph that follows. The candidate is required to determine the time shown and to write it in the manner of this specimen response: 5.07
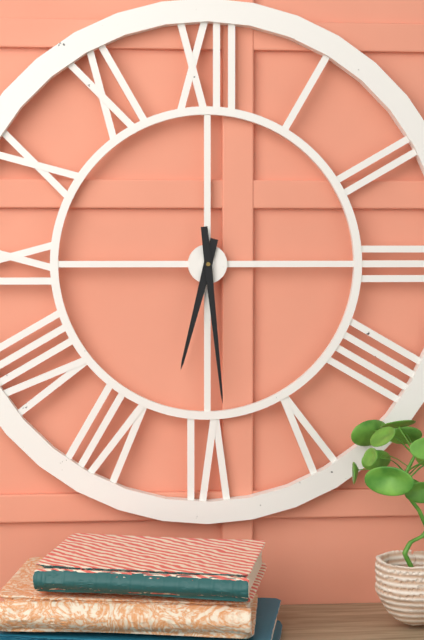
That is 6.29
